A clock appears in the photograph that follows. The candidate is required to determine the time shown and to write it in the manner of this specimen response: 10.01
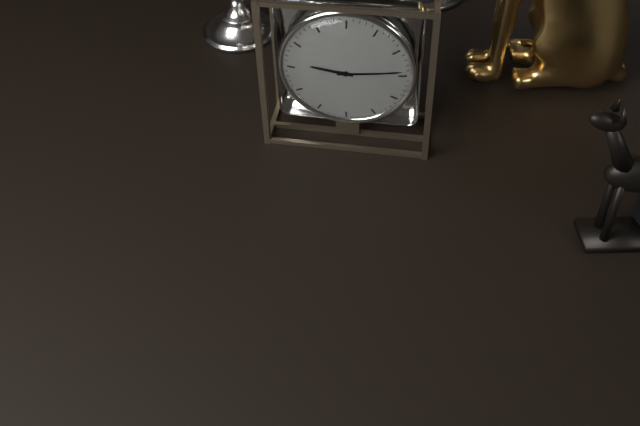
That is 9.14
